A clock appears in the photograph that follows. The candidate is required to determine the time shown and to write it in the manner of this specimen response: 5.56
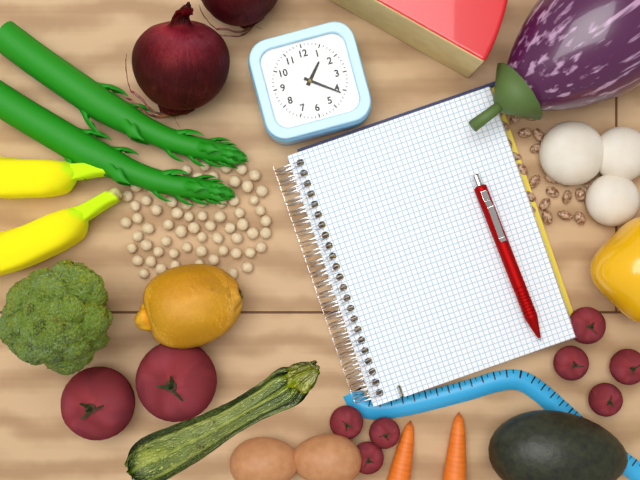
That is 1.21
